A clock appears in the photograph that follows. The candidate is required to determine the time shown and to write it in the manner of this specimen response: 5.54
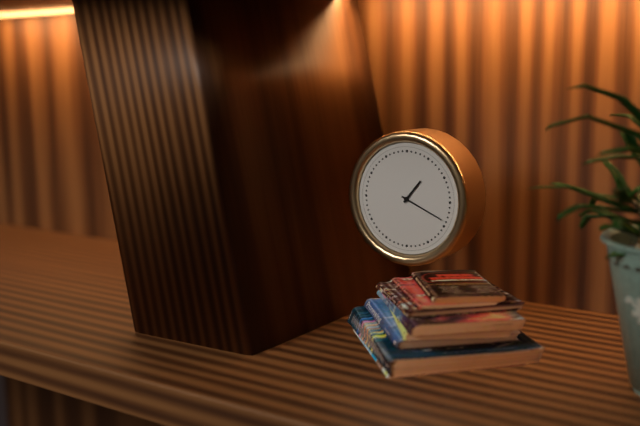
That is 1.19
